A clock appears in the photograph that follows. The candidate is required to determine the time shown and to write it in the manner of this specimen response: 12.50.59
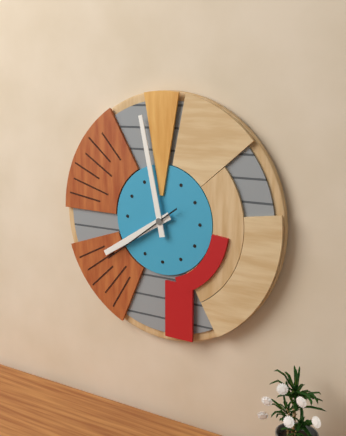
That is 7.58.39
